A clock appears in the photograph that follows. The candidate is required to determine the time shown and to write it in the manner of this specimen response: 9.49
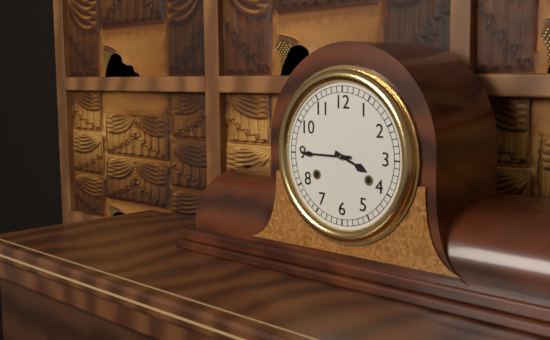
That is 3.45
